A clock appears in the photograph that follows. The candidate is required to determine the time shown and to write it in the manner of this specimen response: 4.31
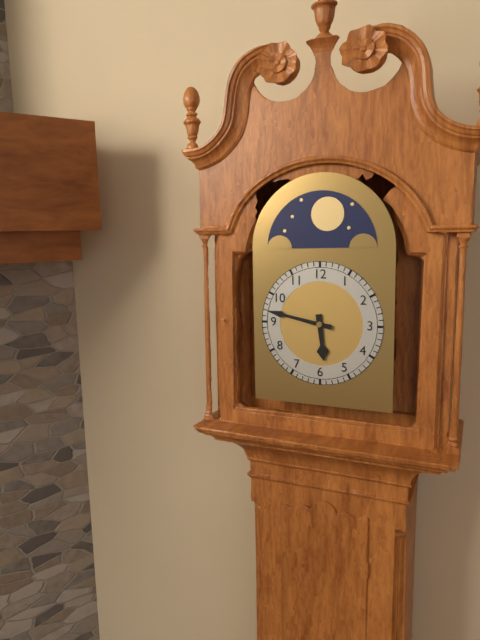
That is 5.47
